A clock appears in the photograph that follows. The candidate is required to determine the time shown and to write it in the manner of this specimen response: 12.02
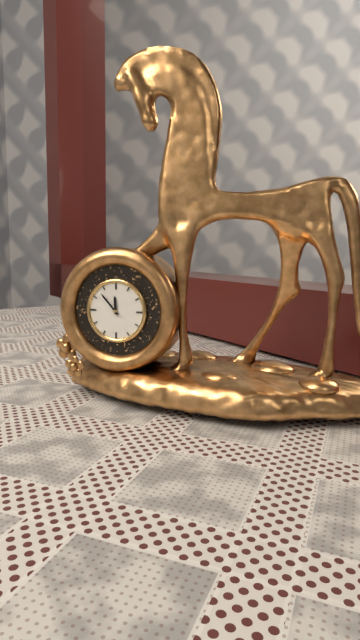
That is 11.53
